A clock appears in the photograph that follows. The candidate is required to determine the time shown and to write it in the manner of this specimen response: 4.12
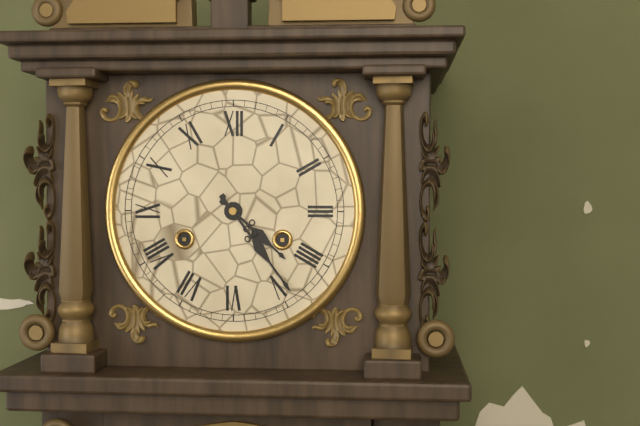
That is 4.24
